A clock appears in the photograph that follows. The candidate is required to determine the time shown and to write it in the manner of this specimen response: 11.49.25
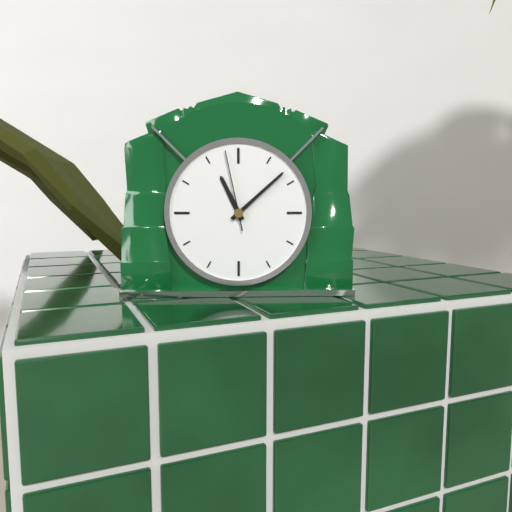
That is 11.08.58
